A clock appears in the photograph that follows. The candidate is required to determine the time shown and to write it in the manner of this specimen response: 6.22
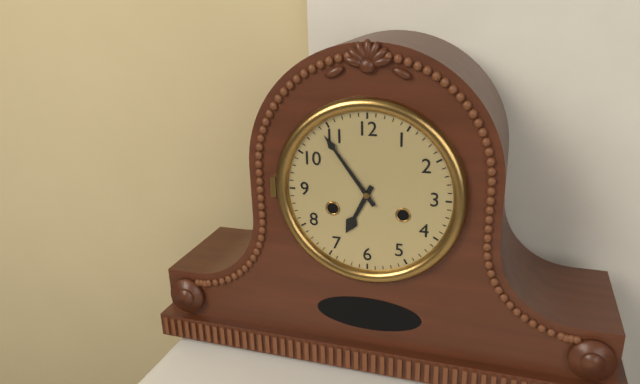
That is 6.54
